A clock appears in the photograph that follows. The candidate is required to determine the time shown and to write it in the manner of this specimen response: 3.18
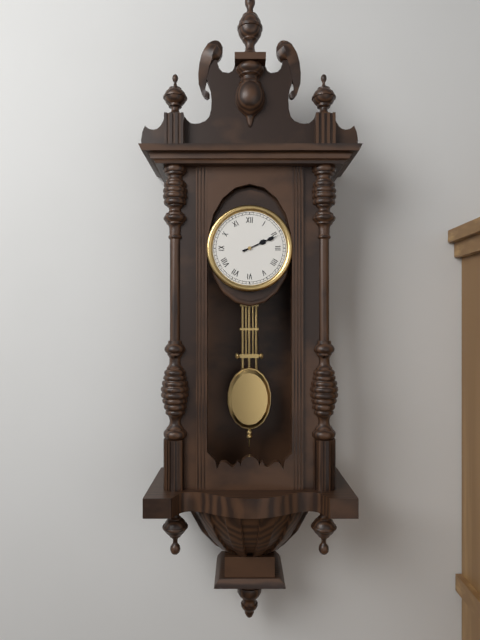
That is 2.11
